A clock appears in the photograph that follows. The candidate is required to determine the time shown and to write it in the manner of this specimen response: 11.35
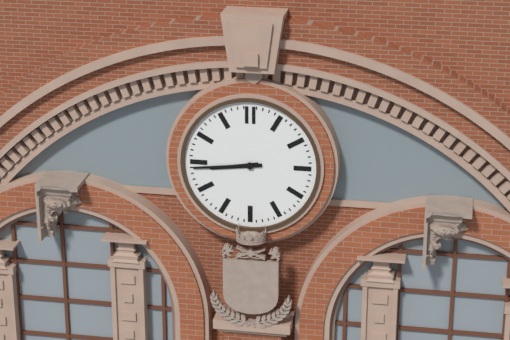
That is 8.44
